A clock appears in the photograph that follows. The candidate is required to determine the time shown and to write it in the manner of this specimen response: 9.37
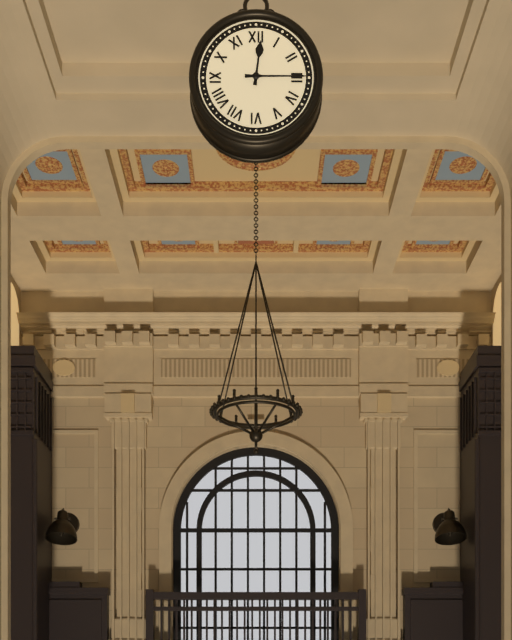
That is 12.15
